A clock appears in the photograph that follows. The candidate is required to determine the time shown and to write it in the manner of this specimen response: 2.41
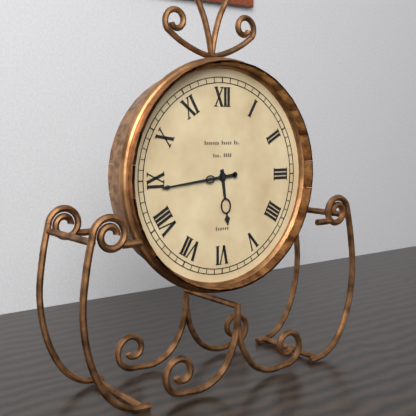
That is 5.44
